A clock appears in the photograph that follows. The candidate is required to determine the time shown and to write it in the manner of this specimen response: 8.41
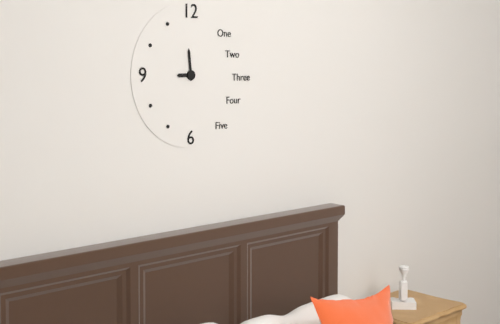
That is 8.59
